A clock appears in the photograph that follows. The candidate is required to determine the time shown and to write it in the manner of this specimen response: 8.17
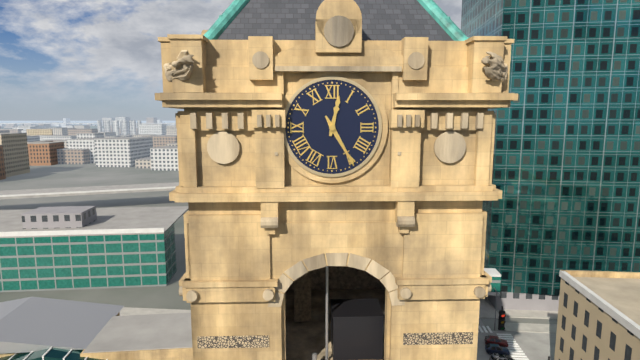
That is 12.25
